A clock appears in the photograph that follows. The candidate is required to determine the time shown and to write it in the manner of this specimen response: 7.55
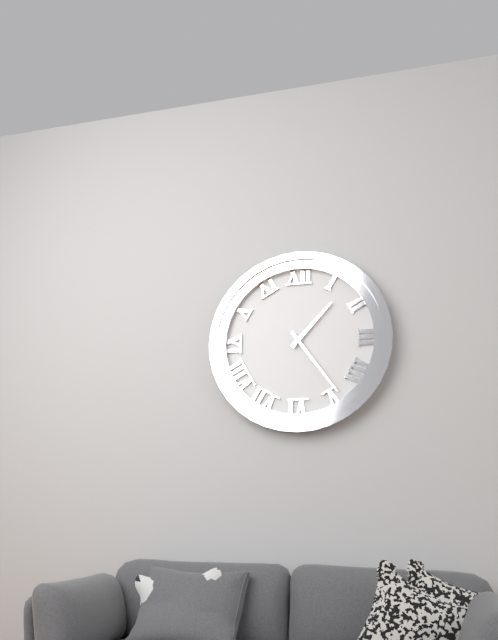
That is 1.24
